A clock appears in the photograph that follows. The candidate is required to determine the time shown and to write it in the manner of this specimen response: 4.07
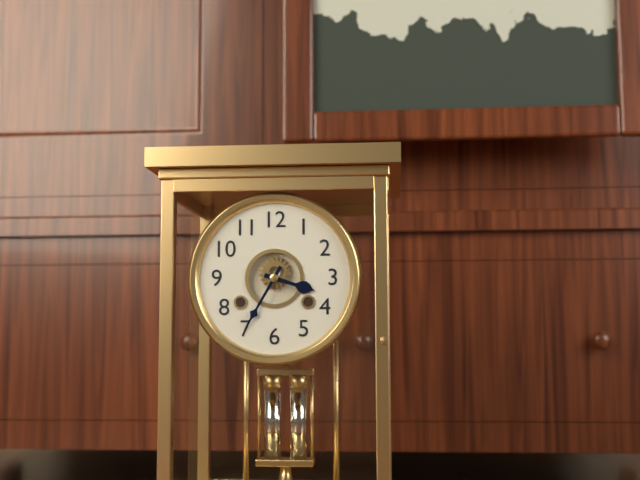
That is 3.35
